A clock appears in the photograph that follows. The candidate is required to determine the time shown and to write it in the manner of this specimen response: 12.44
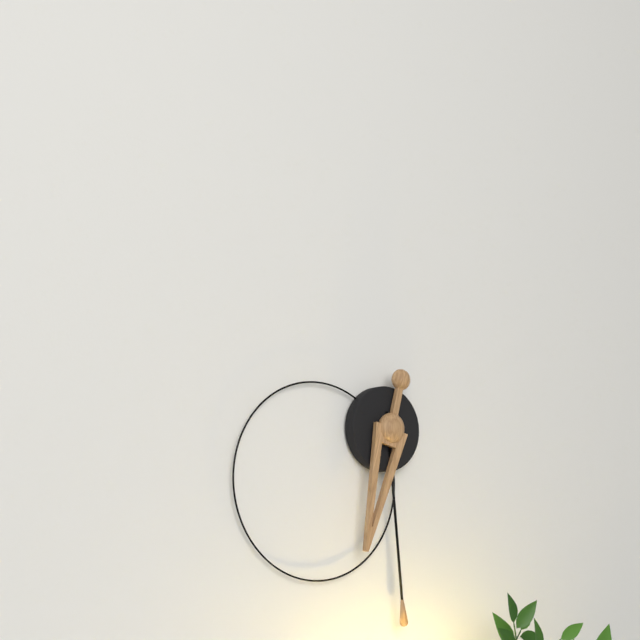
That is 6.29
